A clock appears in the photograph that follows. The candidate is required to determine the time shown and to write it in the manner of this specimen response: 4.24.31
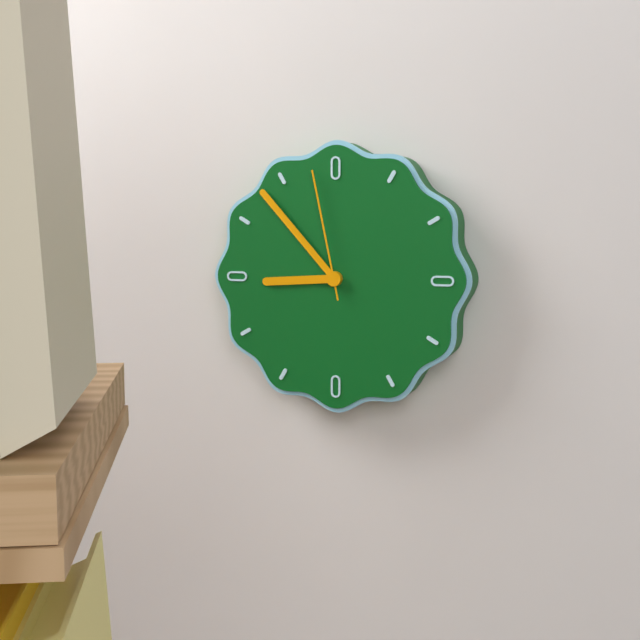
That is 8.53.58
